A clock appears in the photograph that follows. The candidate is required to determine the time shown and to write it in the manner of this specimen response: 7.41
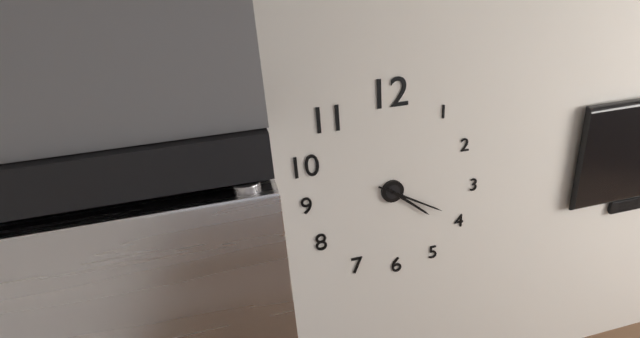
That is 4.20
